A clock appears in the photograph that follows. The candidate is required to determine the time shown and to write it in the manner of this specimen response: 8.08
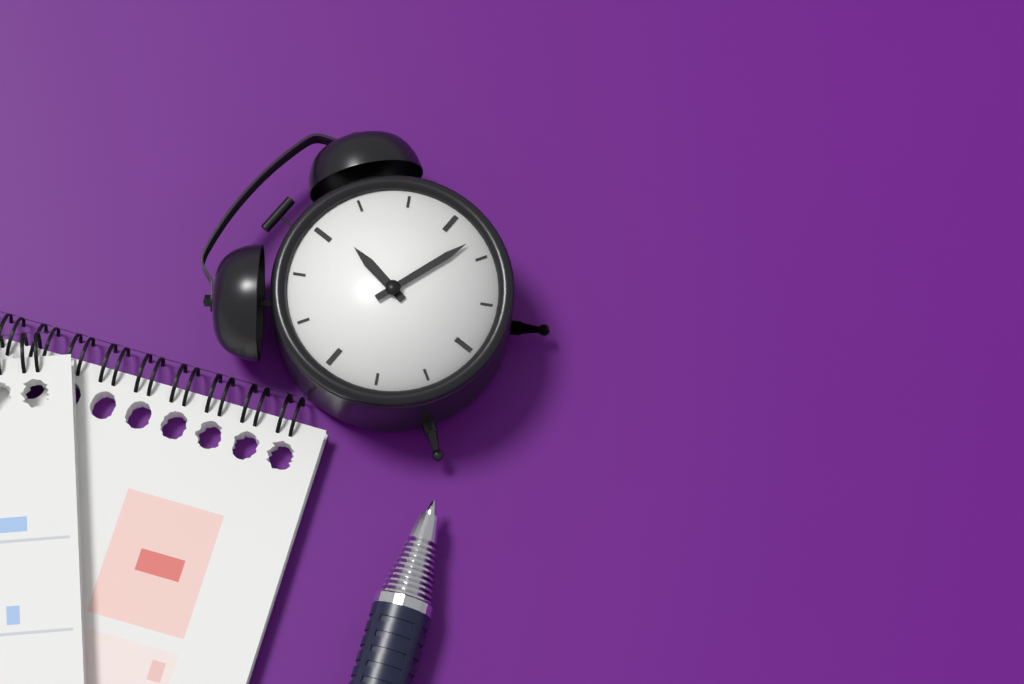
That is 12.18
